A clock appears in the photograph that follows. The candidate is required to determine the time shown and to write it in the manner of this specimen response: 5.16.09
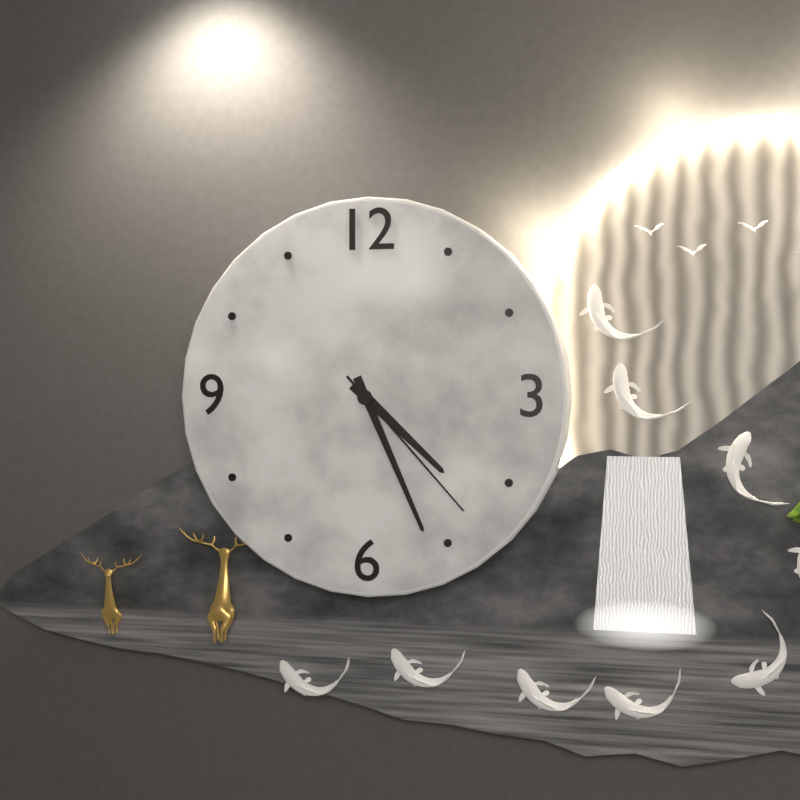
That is 4.26.23
